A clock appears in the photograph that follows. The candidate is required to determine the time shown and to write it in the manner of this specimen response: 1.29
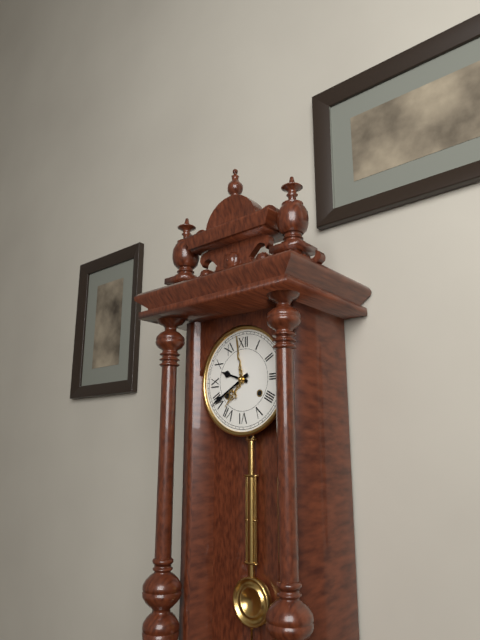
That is 9.40
